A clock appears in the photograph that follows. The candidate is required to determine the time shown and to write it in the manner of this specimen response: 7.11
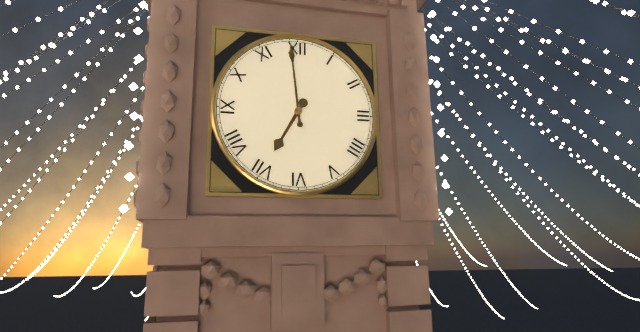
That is 6.59
